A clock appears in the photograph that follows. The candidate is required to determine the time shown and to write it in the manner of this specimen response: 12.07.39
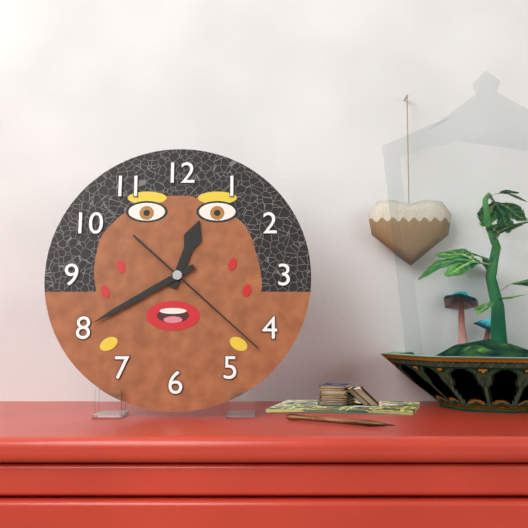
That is 12.40.22
